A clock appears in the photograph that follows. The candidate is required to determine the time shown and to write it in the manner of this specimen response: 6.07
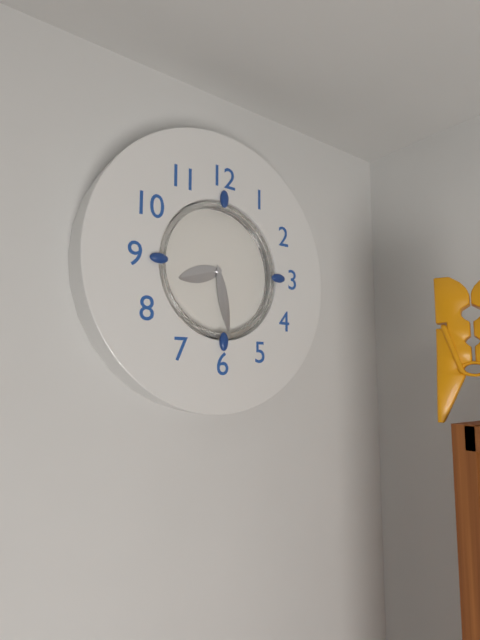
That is 8.28
